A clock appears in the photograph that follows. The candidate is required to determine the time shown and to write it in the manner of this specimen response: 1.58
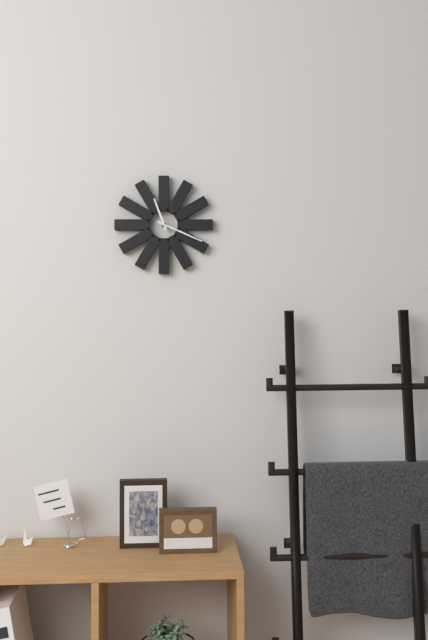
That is 11.19
